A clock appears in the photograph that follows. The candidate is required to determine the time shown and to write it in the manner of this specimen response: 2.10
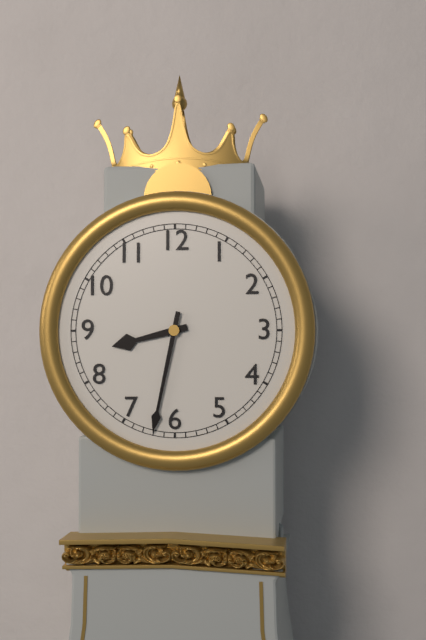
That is 8.32
